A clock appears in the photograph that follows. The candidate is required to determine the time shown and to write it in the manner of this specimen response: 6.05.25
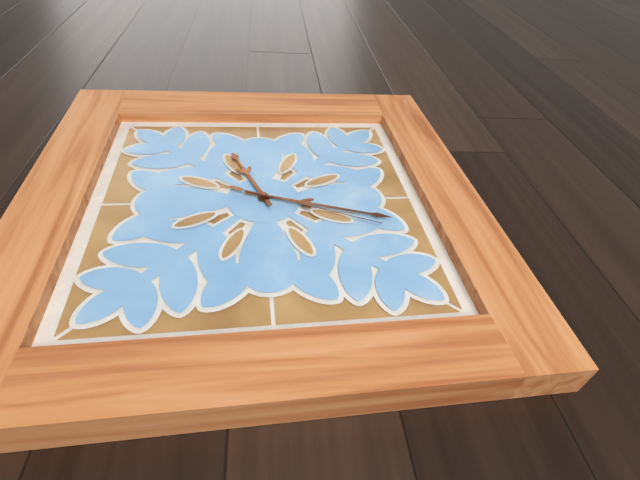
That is 11.18.19
